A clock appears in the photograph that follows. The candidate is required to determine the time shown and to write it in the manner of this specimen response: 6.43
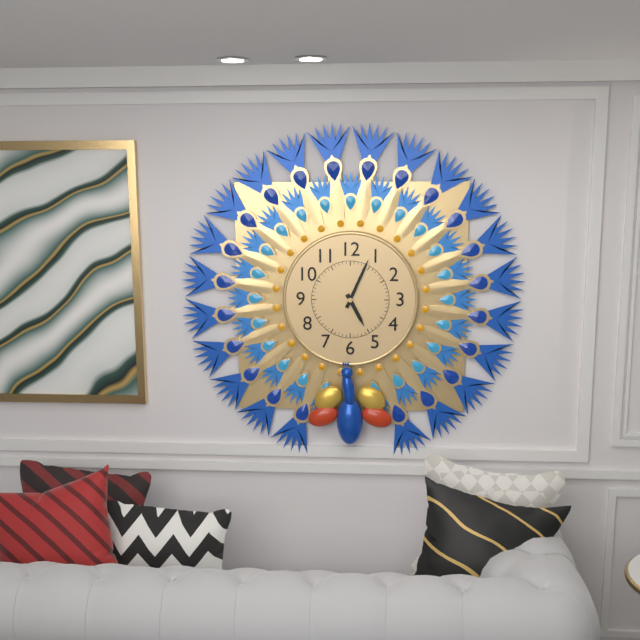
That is 5.04
